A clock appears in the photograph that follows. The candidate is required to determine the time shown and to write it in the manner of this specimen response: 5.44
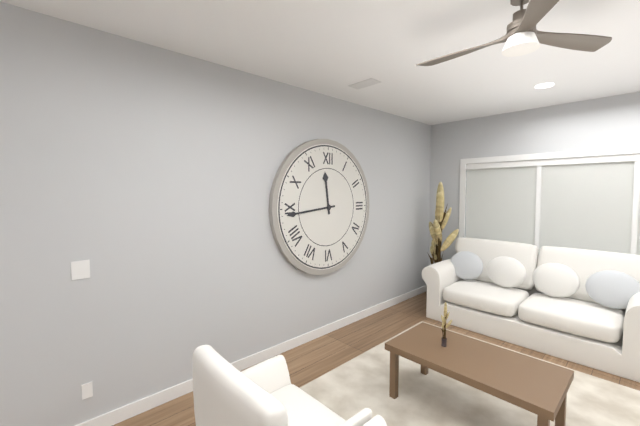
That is 11.44
